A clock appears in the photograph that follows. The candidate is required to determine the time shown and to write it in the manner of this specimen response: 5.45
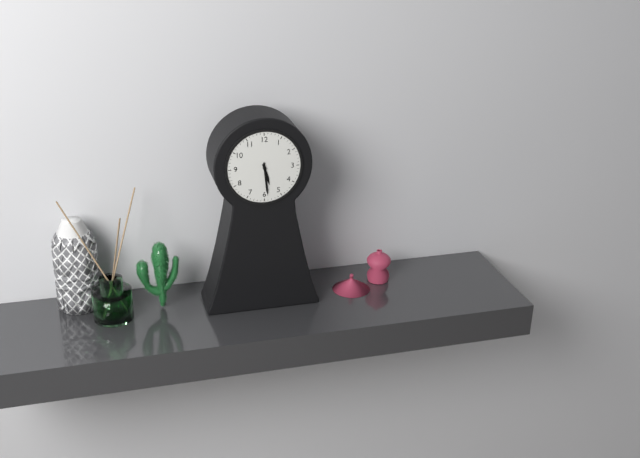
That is 5.29
